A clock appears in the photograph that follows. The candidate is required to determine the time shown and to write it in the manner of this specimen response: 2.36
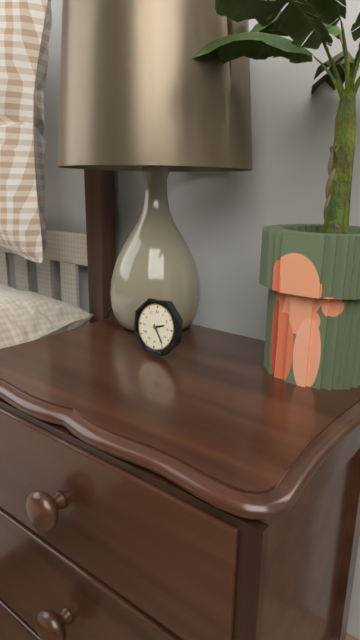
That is 2.24
